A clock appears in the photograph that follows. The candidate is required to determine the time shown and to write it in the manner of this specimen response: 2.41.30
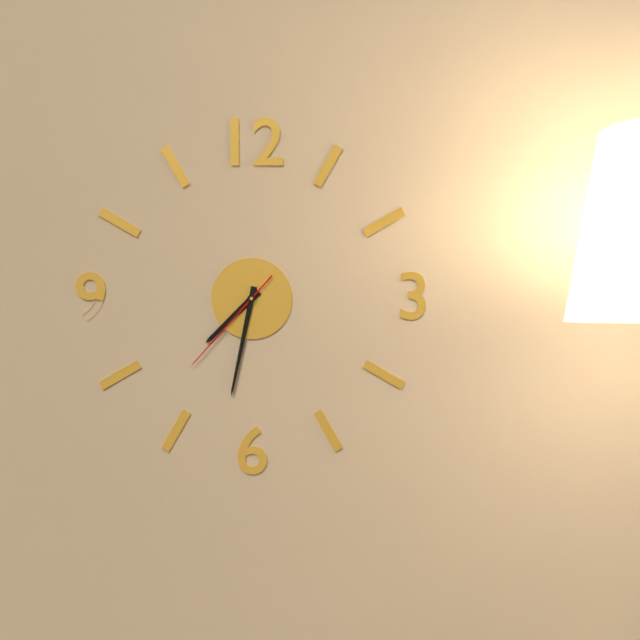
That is 7.32.37
